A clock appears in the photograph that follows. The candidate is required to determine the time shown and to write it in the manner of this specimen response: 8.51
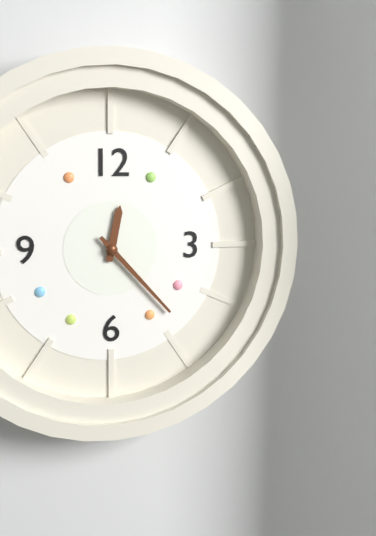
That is 12.23
